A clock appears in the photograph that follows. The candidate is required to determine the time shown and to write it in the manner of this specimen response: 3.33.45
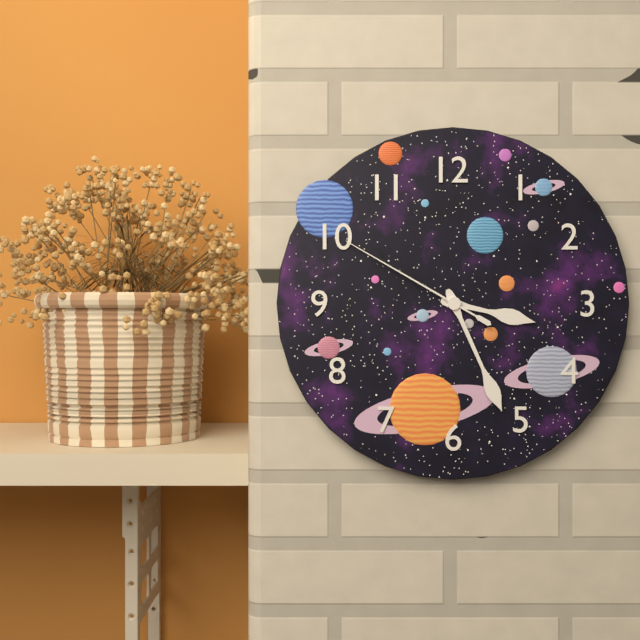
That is 3.26.50
